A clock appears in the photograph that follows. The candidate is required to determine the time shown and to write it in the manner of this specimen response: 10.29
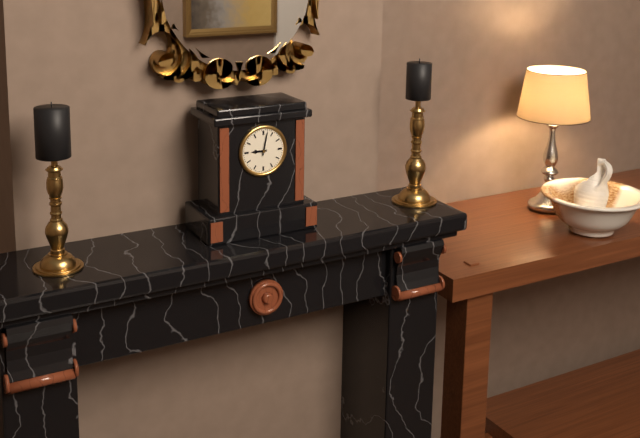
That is 9.02
